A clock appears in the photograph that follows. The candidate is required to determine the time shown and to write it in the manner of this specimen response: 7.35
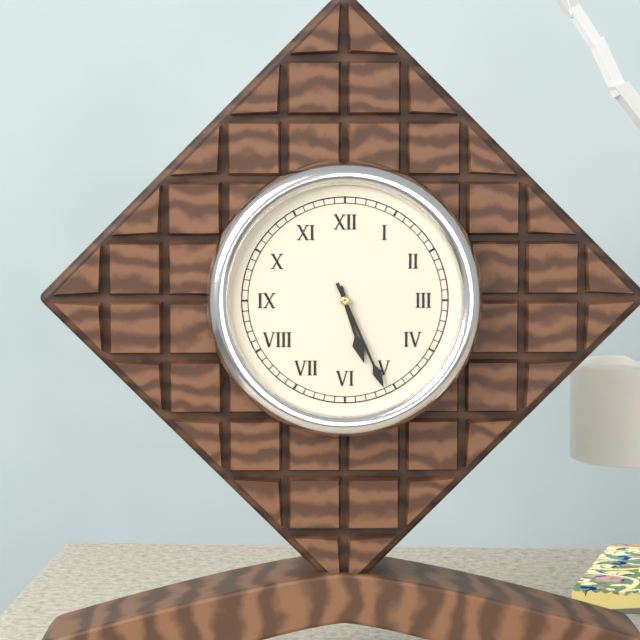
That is 5.26
